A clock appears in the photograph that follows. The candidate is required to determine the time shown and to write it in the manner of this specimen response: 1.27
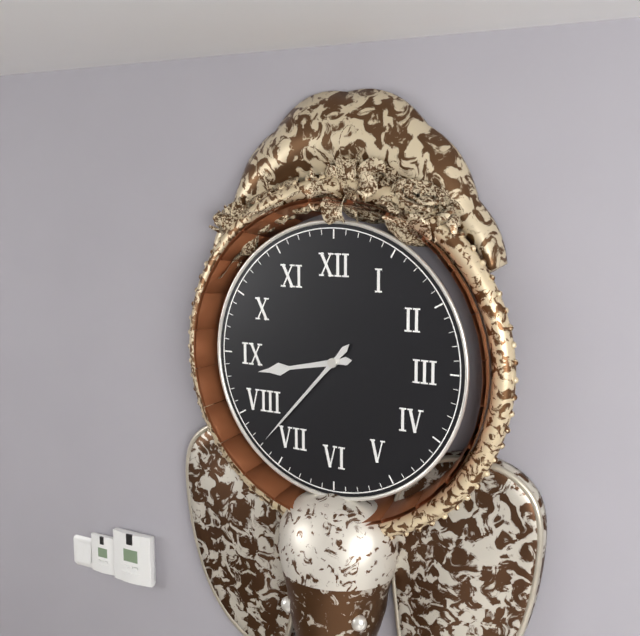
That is 8.37
